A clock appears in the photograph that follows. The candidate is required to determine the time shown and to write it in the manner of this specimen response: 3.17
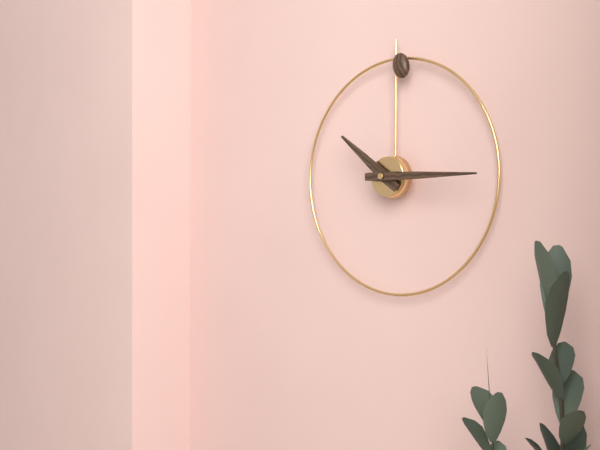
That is 10.15
